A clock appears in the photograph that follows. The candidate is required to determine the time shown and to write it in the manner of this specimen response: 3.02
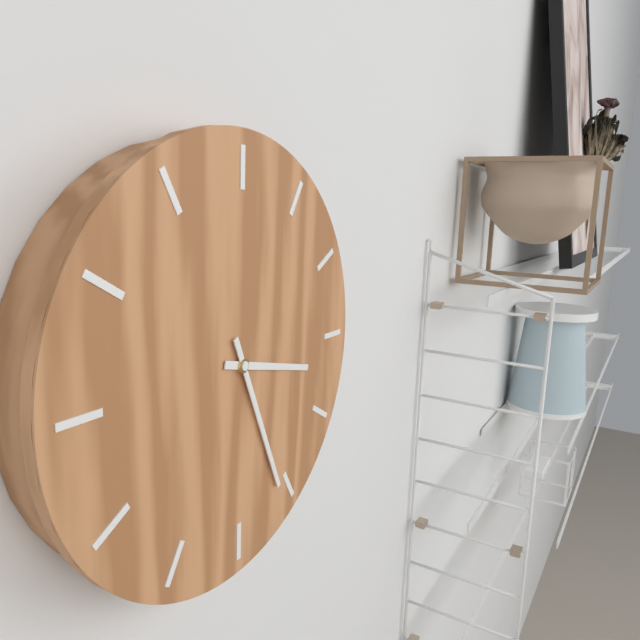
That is 3.26
